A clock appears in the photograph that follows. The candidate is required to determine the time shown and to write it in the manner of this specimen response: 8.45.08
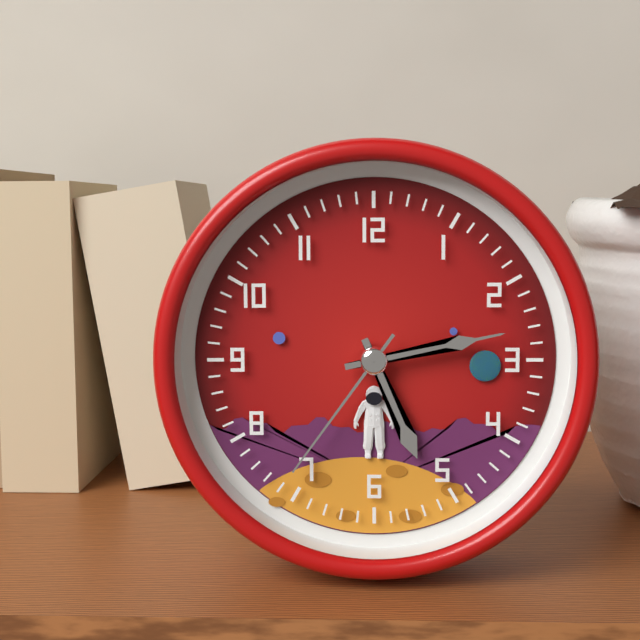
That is 5.13.36
